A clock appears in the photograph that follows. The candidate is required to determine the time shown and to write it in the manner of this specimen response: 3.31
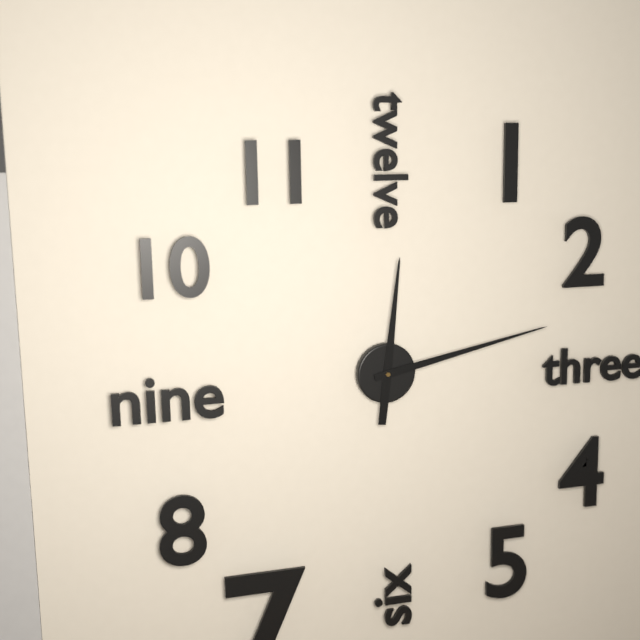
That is 12.13
